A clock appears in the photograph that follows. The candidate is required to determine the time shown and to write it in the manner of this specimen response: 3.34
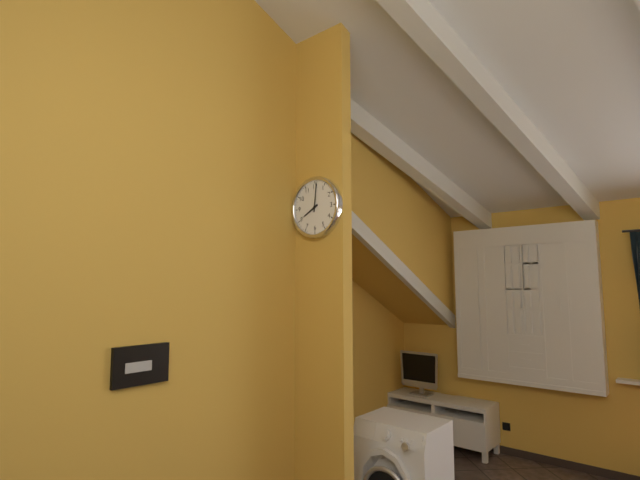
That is 8.01
